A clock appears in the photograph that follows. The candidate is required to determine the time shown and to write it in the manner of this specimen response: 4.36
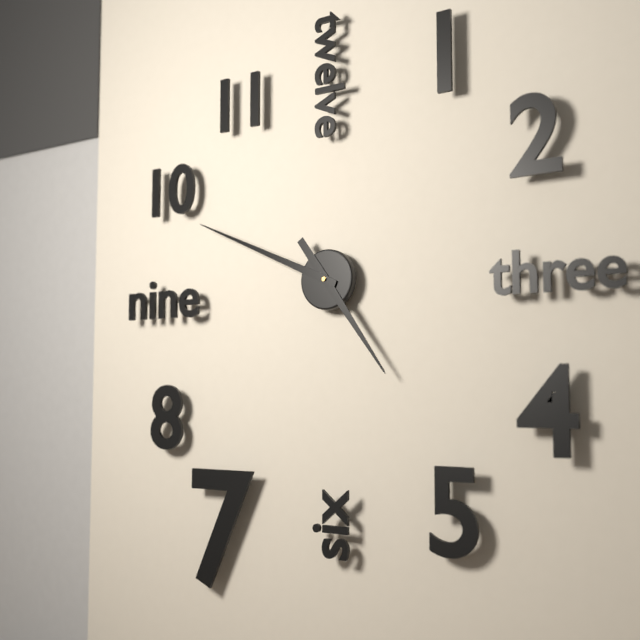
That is 4.49
